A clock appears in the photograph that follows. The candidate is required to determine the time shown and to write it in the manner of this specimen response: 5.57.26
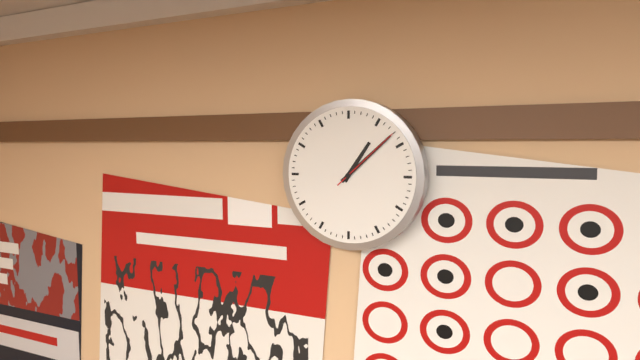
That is 1.08.08
